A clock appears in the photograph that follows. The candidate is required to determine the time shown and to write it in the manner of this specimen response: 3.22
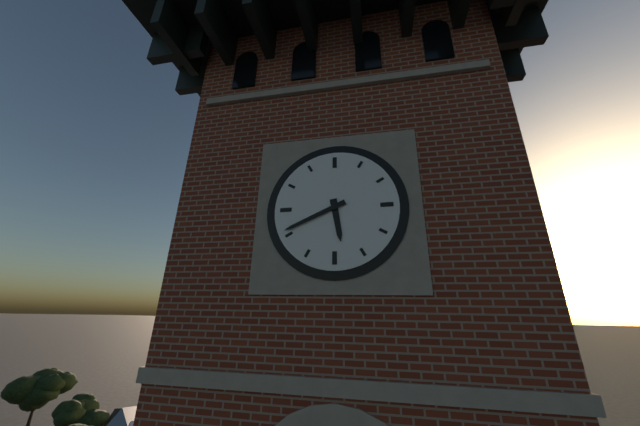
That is 5.41
